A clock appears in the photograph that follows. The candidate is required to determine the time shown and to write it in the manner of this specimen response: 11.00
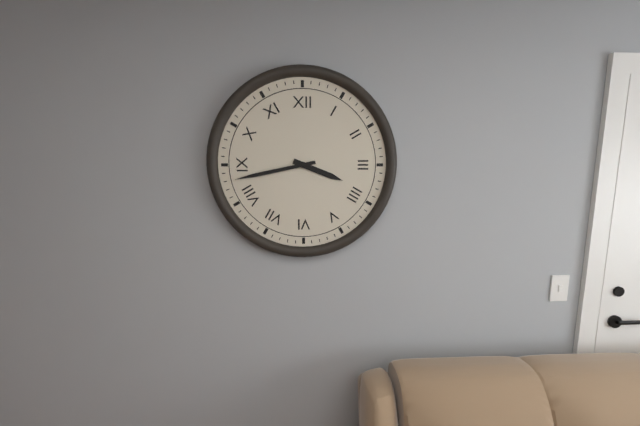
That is 3.43
